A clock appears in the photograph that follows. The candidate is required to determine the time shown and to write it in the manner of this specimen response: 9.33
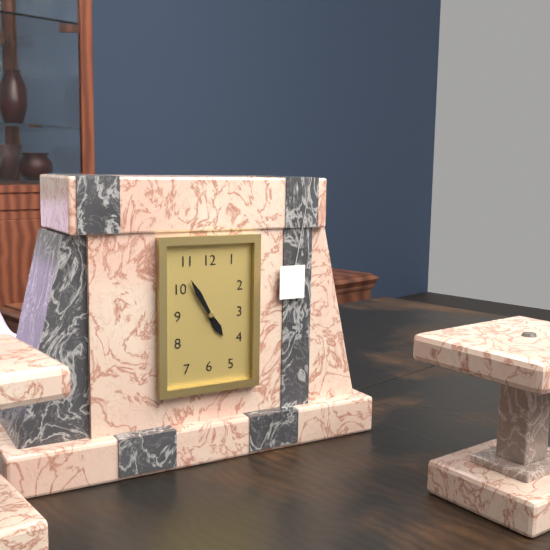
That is 4.55
